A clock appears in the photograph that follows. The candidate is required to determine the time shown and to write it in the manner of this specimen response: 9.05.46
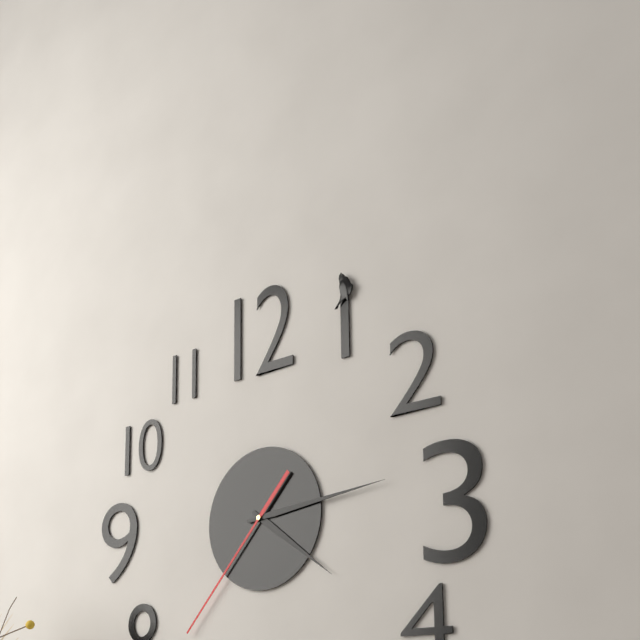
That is 4.14.37
